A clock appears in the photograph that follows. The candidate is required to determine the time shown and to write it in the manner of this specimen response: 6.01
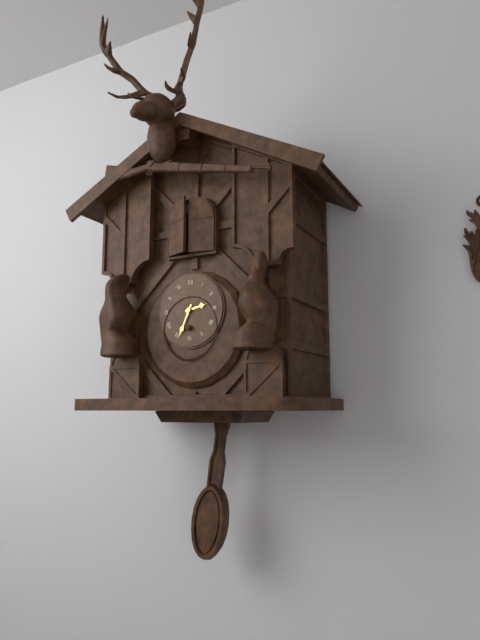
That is 2.34
